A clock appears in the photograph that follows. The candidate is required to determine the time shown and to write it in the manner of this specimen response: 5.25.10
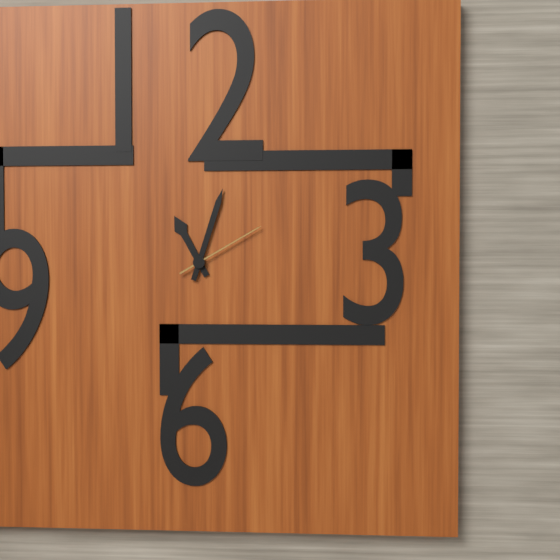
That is 11.03.10
